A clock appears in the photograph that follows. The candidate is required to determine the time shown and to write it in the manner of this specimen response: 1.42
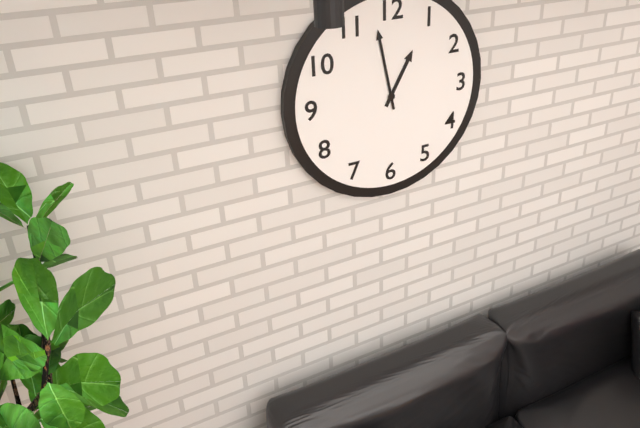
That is 12.58
